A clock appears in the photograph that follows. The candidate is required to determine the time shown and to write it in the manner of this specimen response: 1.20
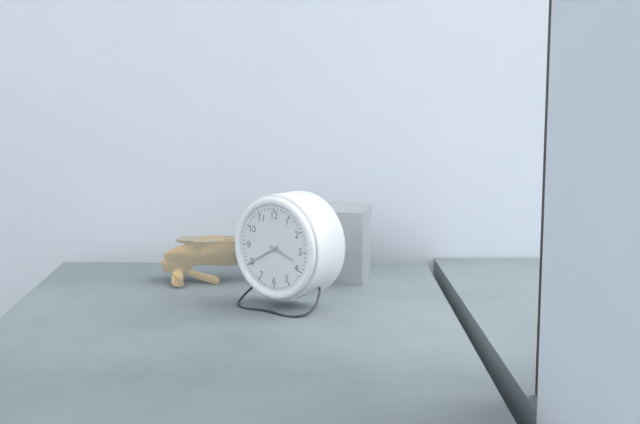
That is 3.40
